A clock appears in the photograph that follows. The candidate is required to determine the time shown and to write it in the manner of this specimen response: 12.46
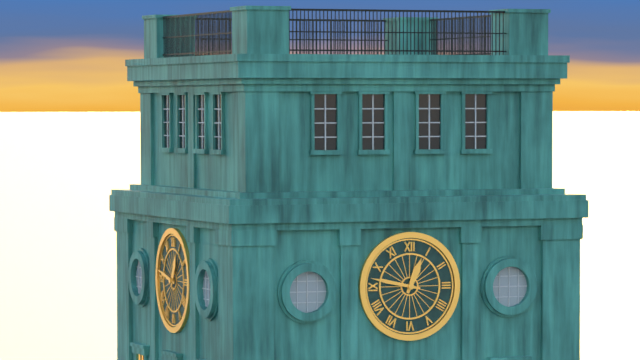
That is 12.47
